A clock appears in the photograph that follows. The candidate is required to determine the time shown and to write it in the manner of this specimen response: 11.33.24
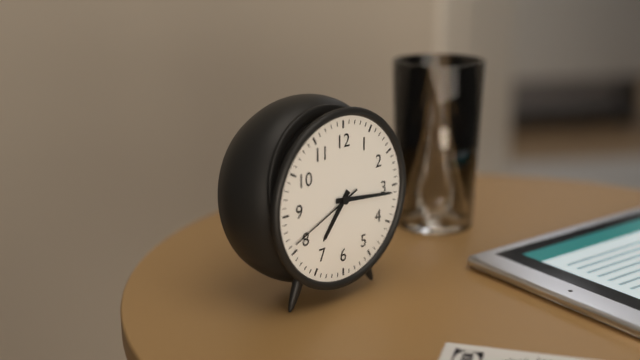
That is 7.16.41
